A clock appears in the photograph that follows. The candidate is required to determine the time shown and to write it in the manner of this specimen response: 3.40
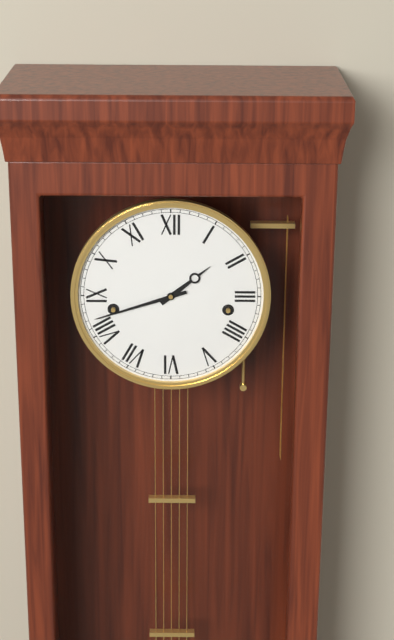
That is 1.42
